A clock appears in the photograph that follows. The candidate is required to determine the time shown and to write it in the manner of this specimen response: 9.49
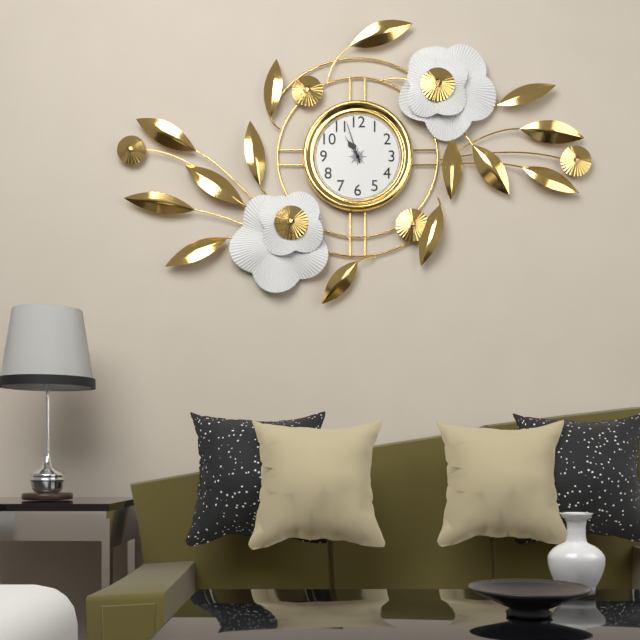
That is 10.57
